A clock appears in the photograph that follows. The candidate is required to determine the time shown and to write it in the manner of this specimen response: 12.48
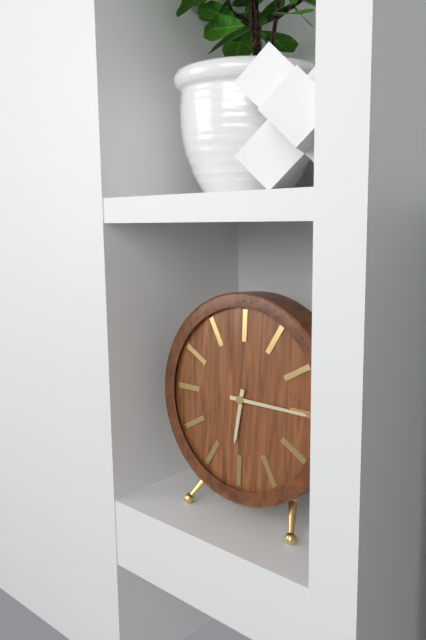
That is 6.15
